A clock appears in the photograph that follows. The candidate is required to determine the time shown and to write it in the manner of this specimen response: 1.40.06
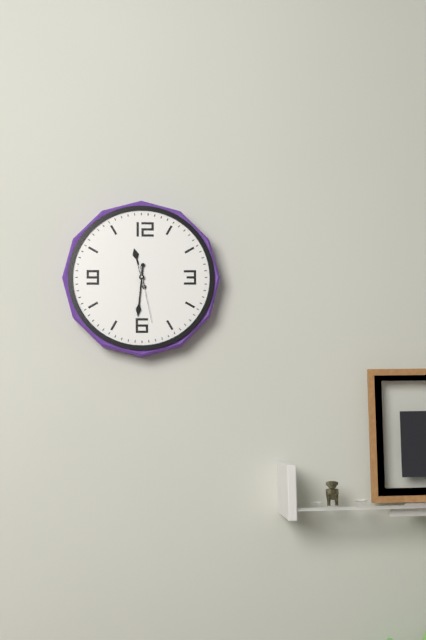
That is 11.31.28
